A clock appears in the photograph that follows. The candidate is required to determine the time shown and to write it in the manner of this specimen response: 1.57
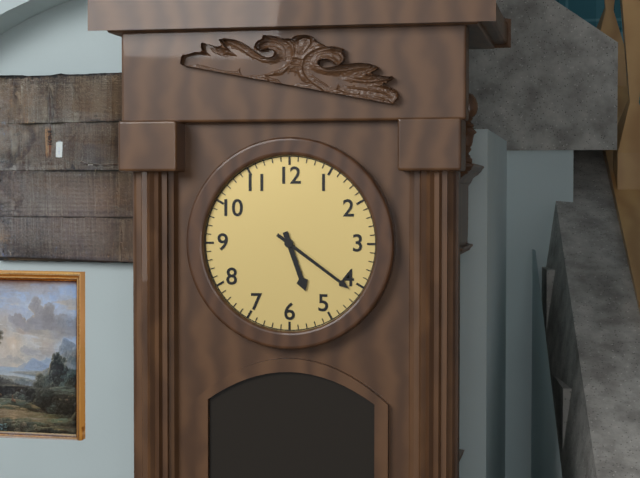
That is 5.21
